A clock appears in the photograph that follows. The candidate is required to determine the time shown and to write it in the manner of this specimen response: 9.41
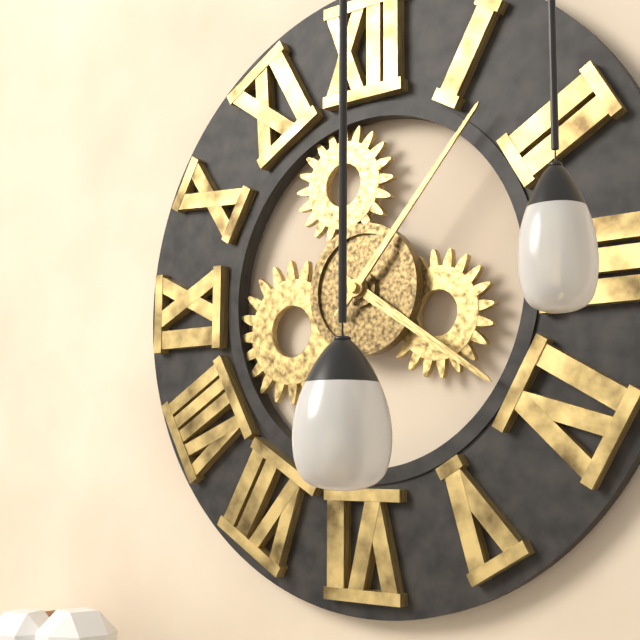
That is 4.07
